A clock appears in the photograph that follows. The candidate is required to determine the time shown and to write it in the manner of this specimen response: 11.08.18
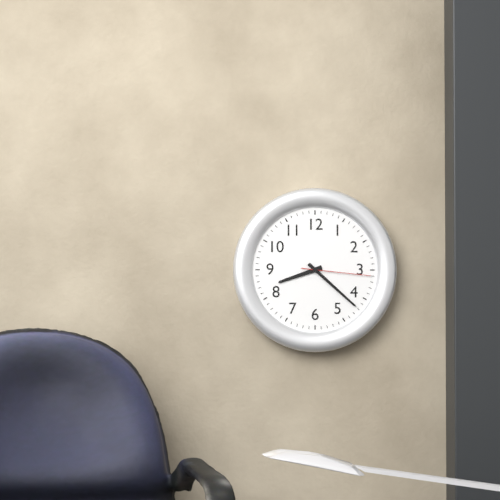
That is 8.22.16
